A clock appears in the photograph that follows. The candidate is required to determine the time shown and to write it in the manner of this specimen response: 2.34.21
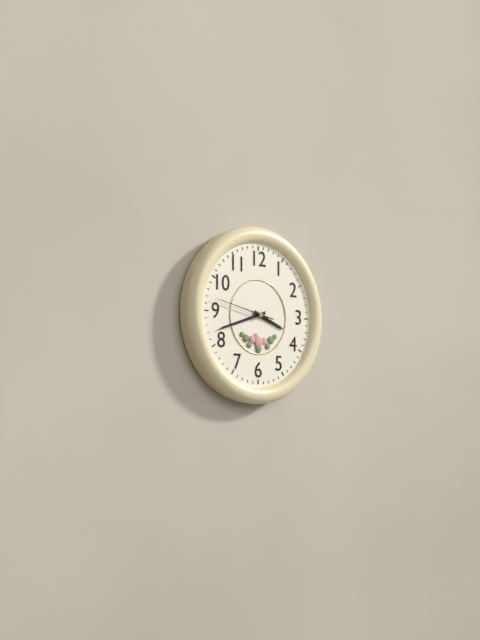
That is 3.42.47
